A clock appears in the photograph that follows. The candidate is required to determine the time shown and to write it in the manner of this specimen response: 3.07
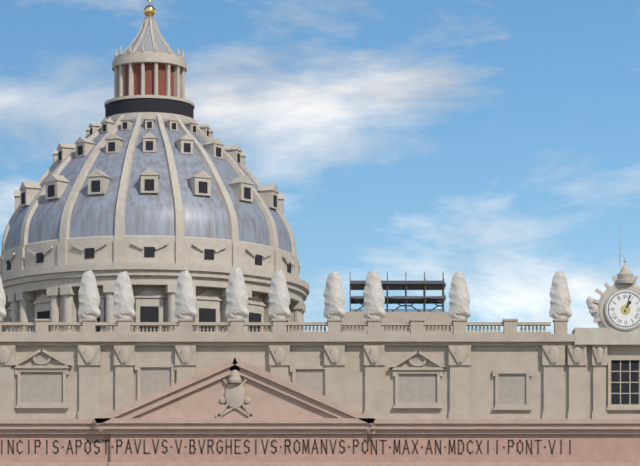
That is 1.03
